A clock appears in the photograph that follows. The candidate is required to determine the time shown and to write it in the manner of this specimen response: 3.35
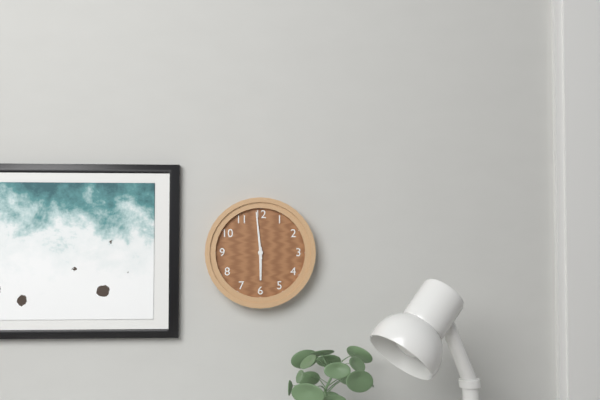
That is 5.59
